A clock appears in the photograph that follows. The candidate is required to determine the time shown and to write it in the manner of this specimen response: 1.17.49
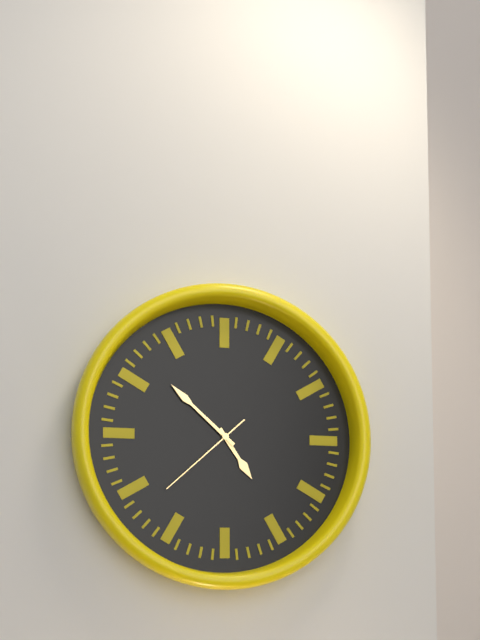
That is 4.52.38
